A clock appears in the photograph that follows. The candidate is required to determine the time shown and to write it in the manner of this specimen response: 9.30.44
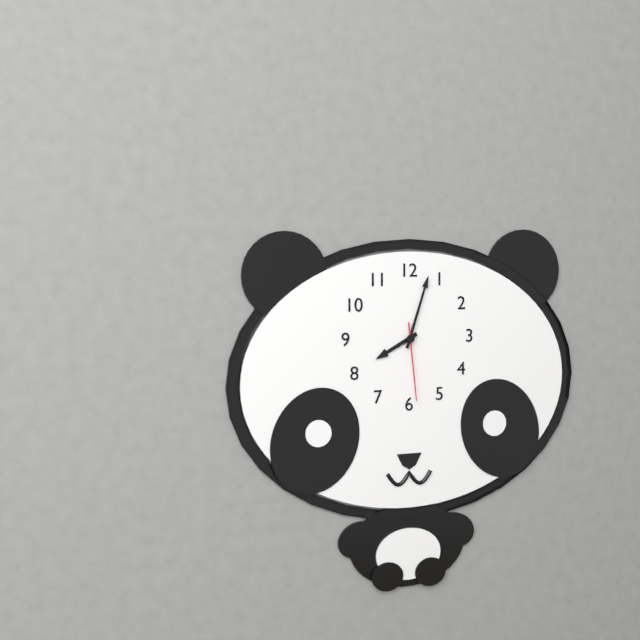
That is 8.03.29
